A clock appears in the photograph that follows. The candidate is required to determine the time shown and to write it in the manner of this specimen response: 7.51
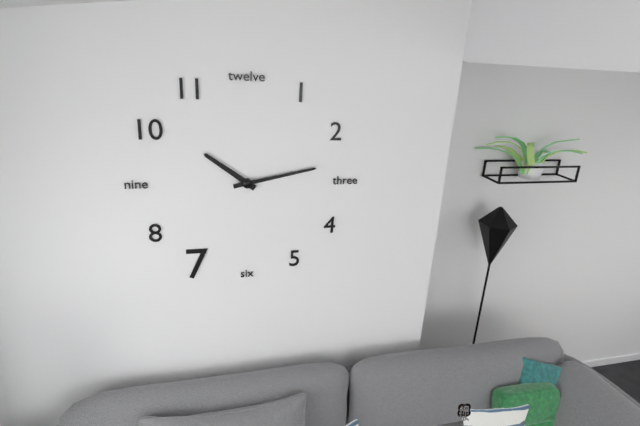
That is 10.13
